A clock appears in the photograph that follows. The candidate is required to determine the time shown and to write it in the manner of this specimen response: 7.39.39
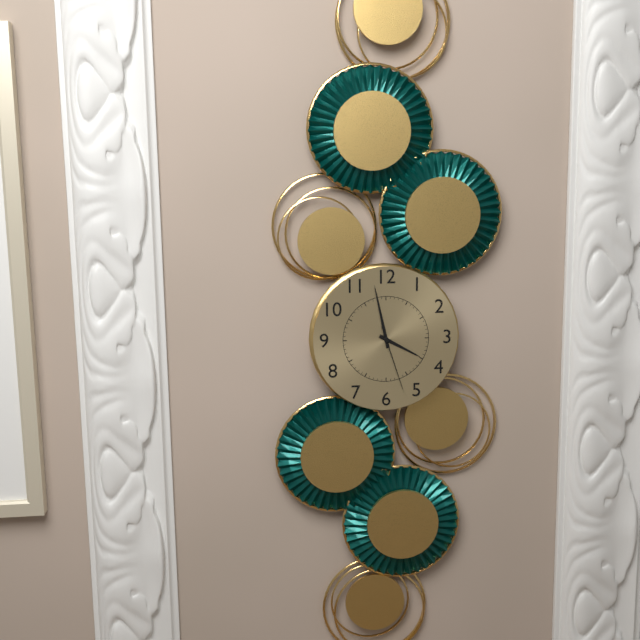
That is 3.58.27
